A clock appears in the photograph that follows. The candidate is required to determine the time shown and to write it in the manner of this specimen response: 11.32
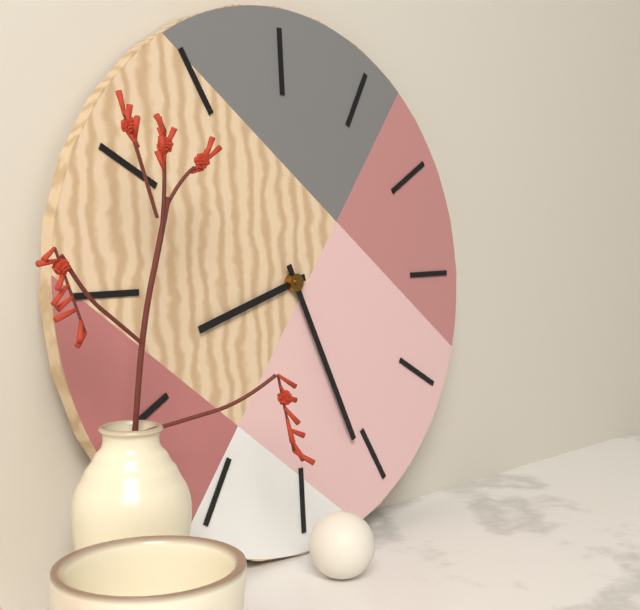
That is 8.26
